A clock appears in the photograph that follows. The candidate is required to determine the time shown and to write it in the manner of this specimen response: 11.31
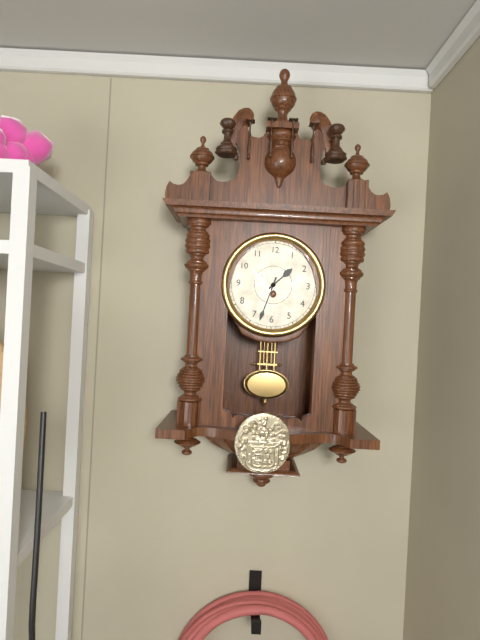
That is 1.33
